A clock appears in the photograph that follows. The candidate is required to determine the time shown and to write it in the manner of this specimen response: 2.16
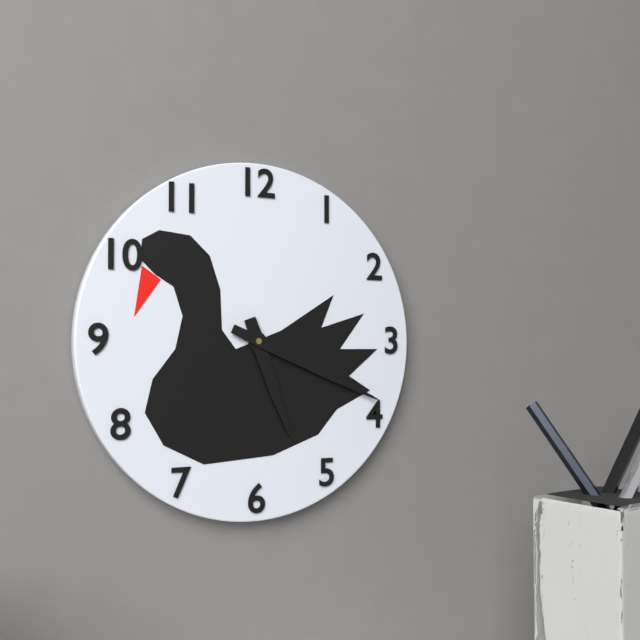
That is 5.19
